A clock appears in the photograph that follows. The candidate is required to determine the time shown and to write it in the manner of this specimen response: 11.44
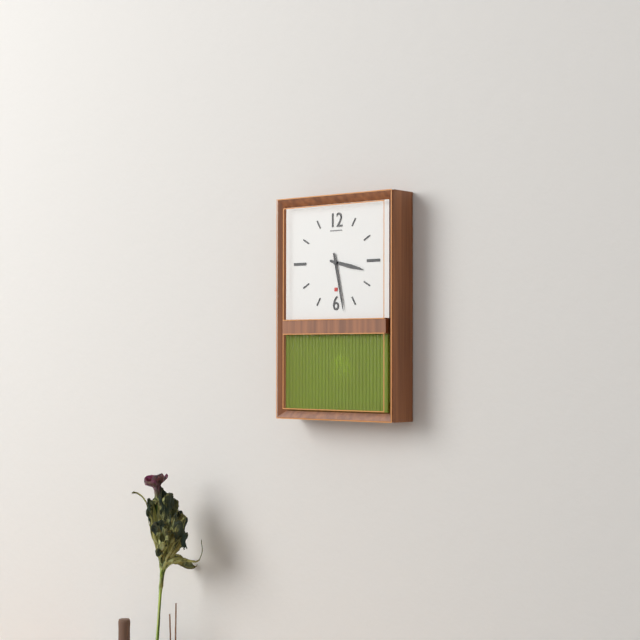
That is 3.28
